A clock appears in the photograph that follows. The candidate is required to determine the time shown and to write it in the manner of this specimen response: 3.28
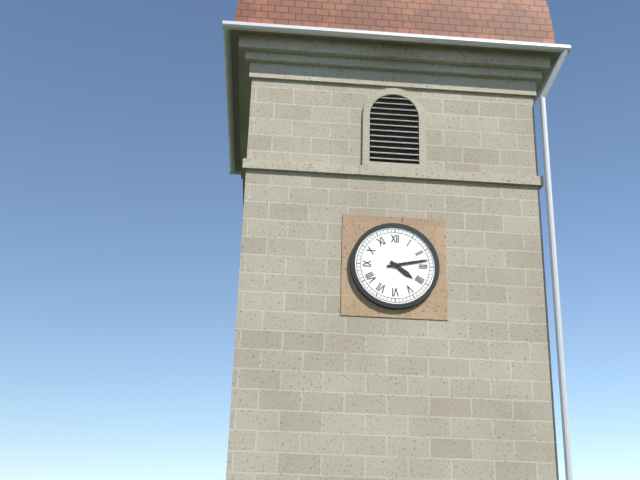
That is 4.13
